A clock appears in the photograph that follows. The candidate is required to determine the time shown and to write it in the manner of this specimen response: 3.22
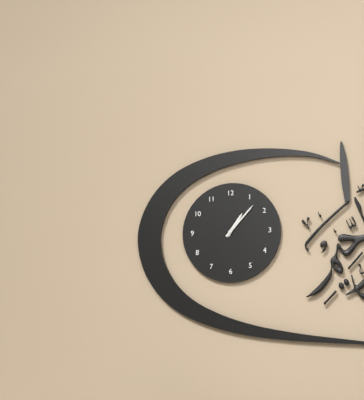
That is 1.07
